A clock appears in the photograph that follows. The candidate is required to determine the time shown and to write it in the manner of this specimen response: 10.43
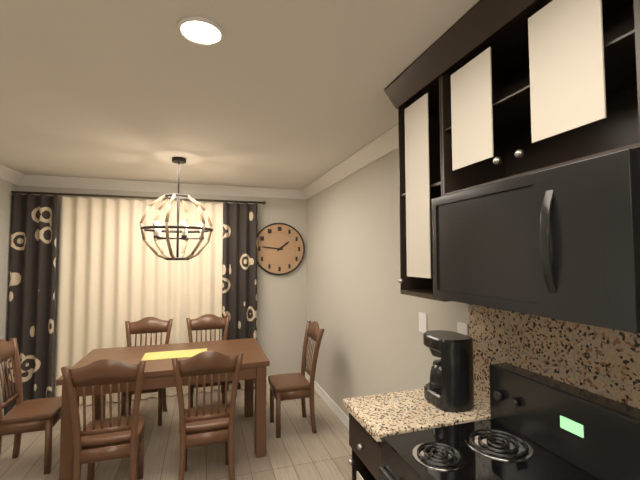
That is 1.46
